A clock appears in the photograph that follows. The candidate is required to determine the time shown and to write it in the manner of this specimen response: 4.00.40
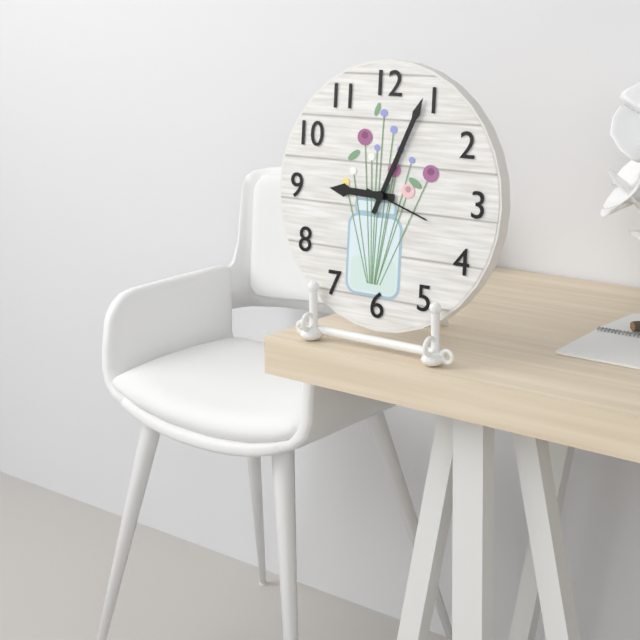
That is 9.04.18
